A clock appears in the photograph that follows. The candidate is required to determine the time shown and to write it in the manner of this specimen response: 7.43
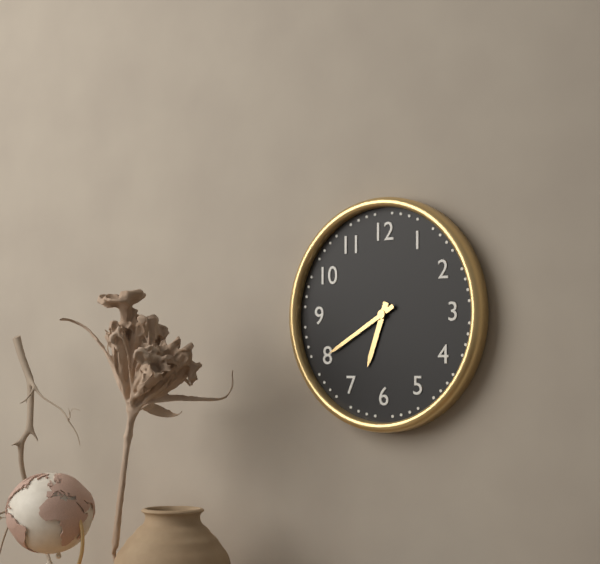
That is 6.40
